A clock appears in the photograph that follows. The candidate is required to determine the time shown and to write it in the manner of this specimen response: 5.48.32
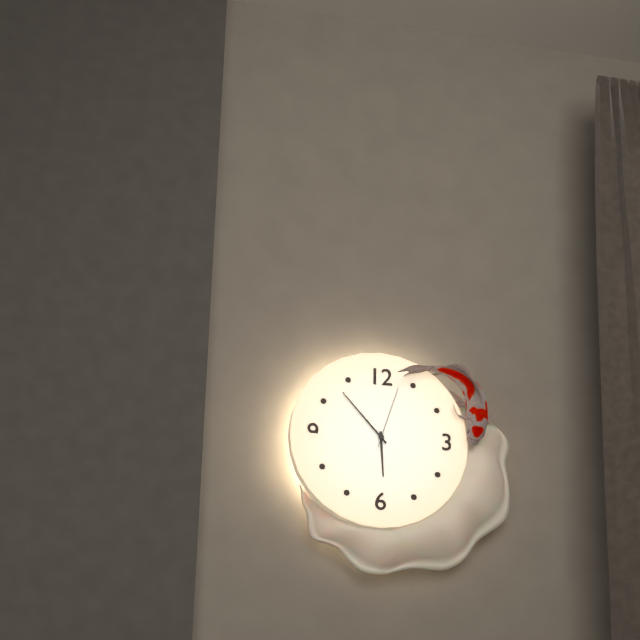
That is 5.53.03
